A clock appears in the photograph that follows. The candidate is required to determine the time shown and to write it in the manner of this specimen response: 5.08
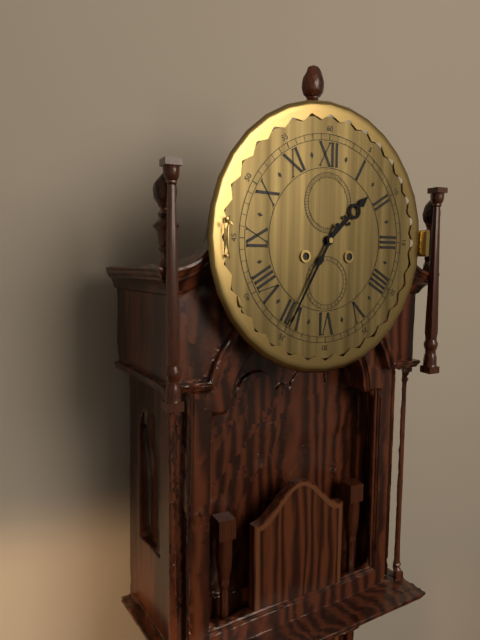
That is 1.35
